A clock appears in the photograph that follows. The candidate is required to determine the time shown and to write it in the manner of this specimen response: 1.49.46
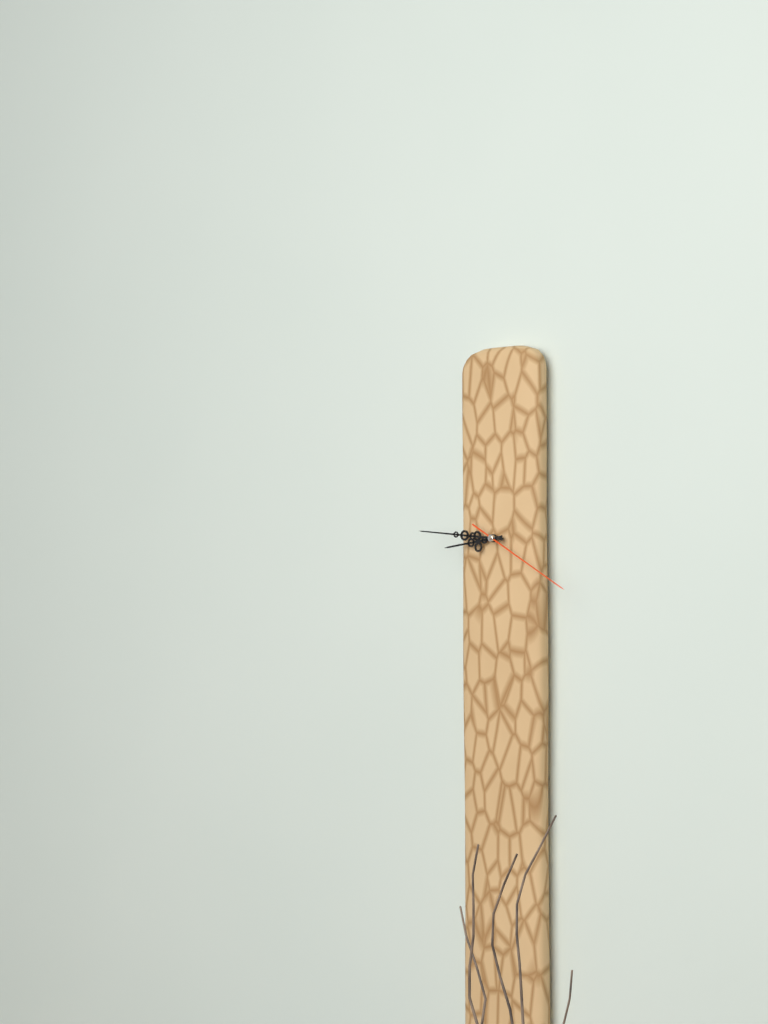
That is 8.46.20
